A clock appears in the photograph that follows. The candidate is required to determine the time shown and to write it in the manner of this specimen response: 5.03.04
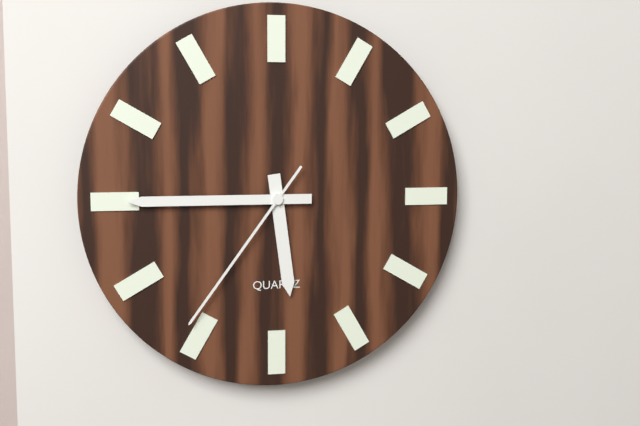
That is 5.45.36
